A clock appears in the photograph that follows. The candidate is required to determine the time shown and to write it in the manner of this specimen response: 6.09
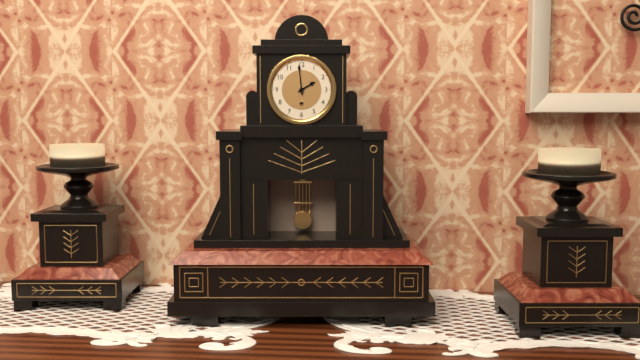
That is 1.59
